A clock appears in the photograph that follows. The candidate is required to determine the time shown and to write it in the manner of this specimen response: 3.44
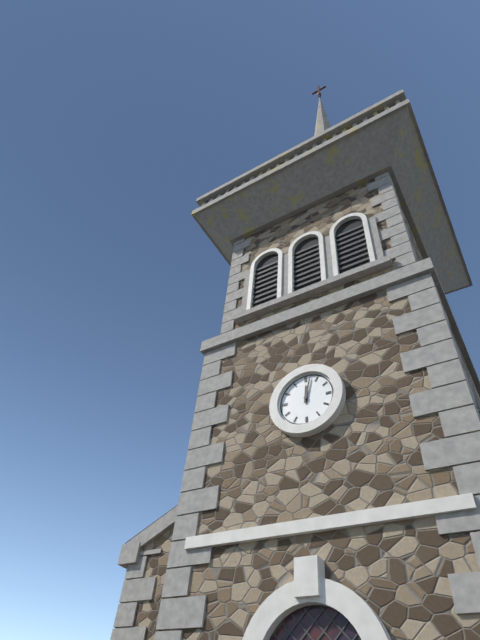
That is 12.02
